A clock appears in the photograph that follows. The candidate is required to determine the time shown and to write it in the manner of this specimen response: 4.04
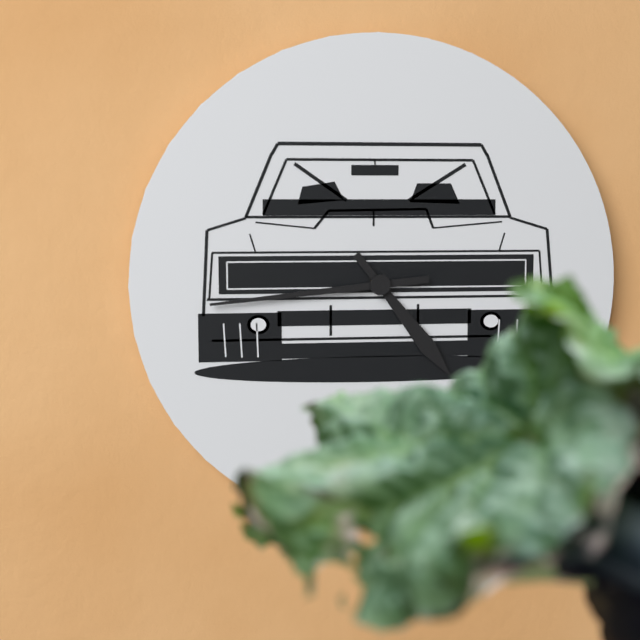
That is 4.44
